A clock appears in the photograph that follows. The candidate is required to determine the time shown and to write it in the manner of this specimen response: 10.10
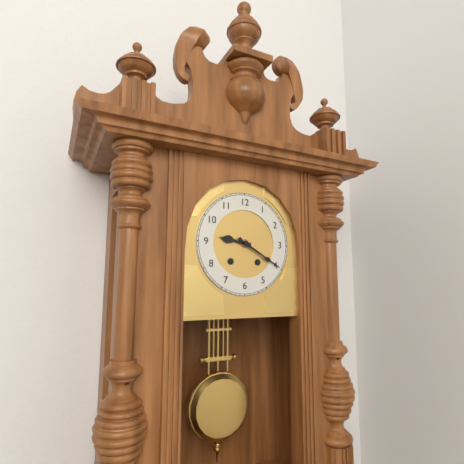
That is 9.20
